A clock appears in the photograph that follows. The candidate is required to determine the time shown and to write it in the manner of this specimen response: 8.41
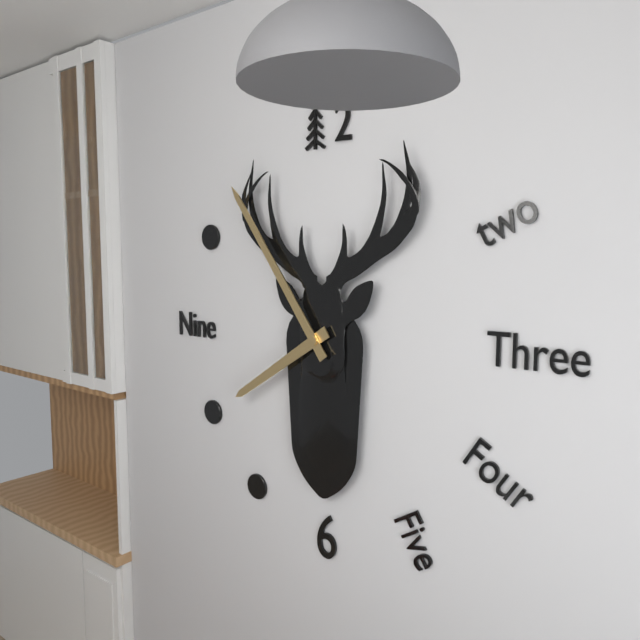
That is 7.54
